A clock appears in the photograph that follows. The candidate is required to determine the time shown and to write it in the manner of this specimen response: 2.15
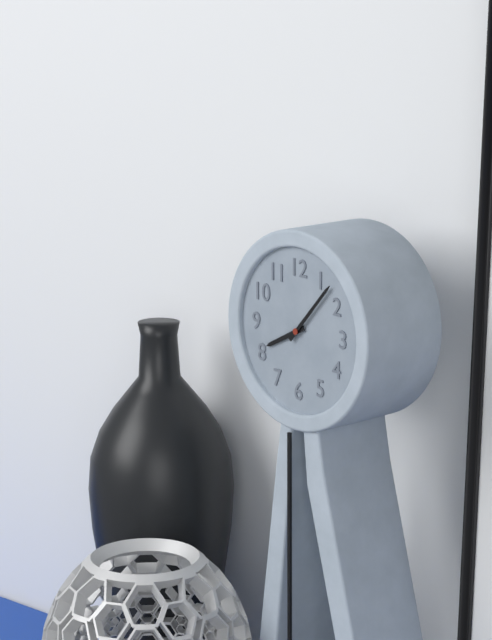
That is 8.07
